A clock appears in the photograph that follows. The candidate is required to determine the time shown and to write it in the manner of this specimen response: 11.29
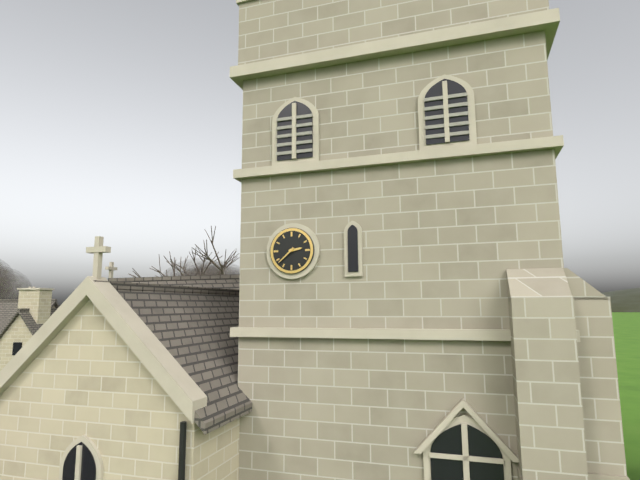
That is 2.38
